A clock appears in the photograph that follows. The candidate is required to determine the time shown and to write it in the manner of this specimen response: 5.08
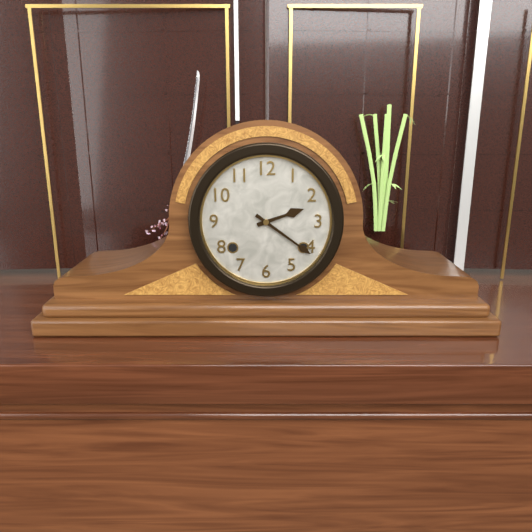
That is 2.21
